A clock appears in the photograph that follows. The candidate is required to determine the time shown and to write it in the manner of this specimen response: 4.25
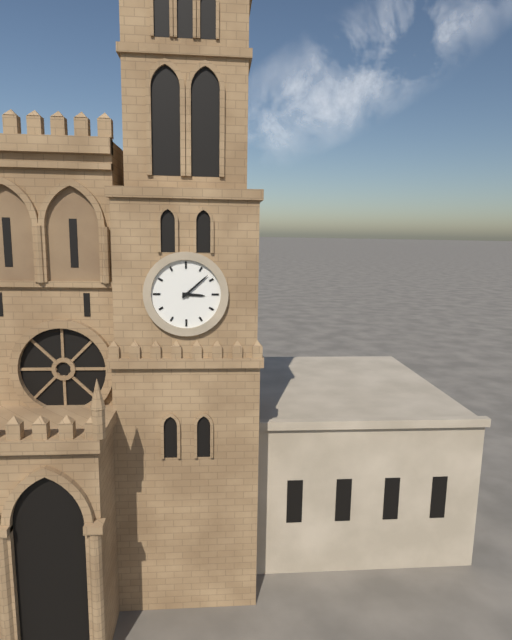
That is 3.08
